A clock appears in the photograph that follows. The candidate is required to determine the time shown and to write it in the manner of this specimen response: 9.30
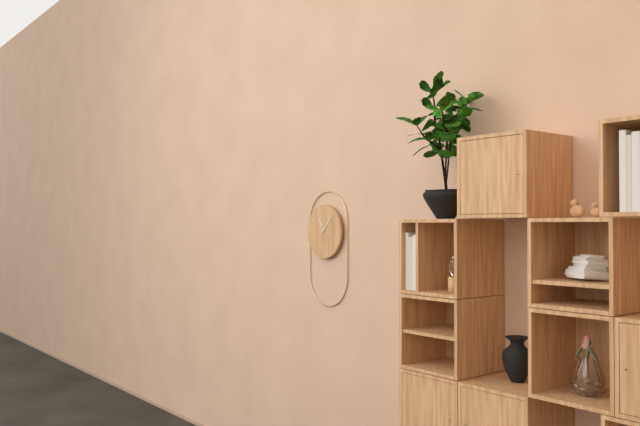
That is 11.07
